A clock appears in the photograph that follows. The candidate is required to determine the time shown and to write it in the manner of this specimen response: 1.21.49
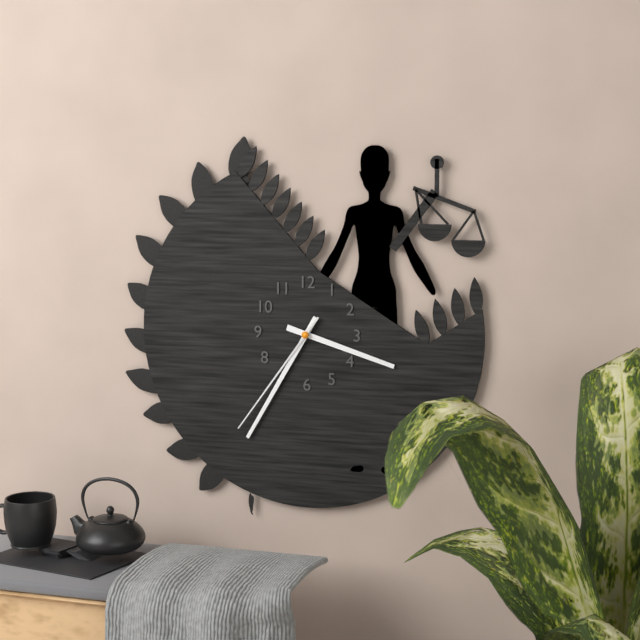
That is 3.35.36
